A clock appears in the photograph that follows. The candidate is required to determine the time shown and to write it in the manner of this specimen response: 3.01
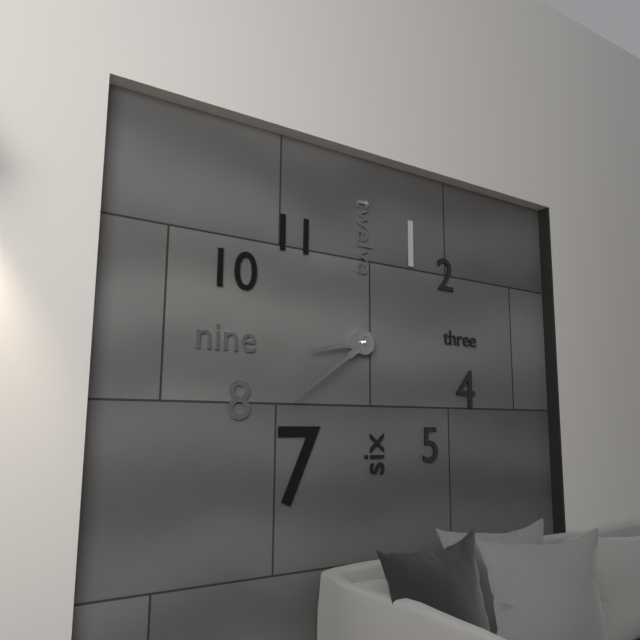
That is 8.39
